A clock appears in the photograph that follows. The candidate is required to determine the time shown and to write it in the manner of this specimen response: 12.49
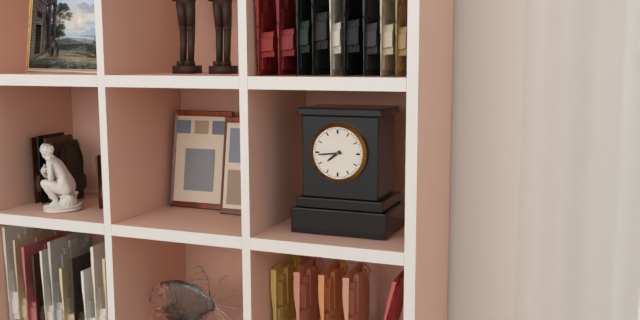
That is 7.44
